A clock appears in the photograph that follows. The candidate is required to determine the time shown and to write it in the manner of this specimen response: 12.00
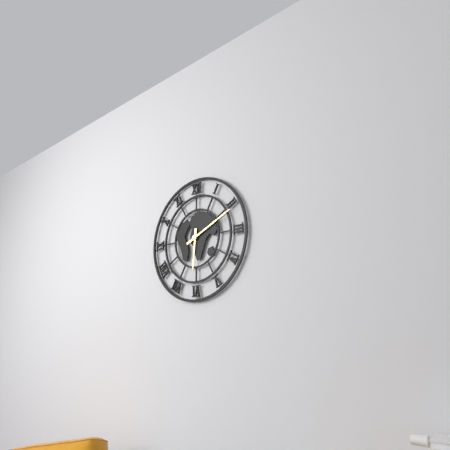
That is 6.11
